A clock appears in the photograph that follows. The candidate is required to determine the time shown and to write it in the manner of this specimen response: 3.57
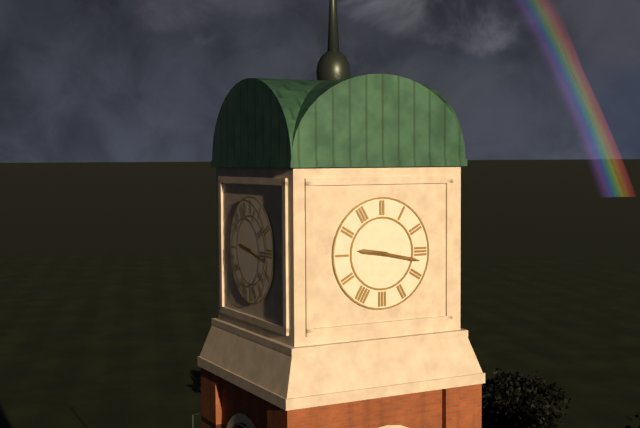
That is 9.17
